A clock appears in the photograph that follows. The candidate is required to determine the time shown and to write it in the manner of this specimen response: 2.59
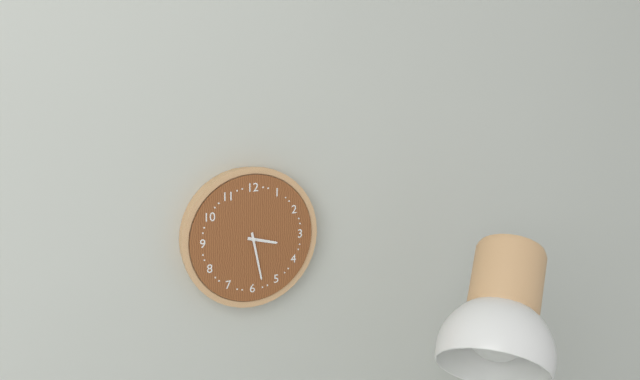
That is 3.28
